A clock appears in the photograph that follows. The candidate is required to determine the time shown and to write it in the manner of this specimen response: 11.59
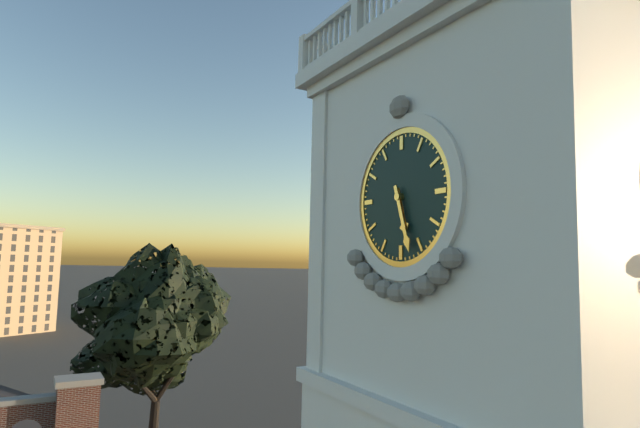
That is 5.27
